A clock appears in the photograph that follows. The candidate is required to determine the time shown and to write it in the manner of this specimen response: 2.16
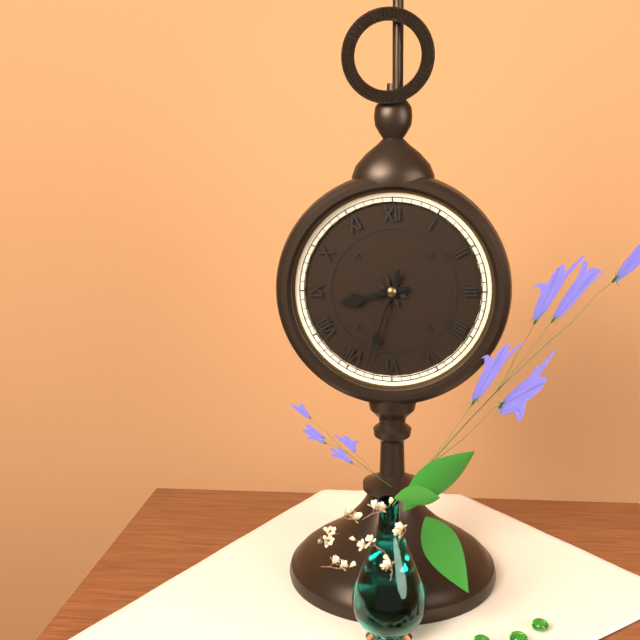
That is 8.33
